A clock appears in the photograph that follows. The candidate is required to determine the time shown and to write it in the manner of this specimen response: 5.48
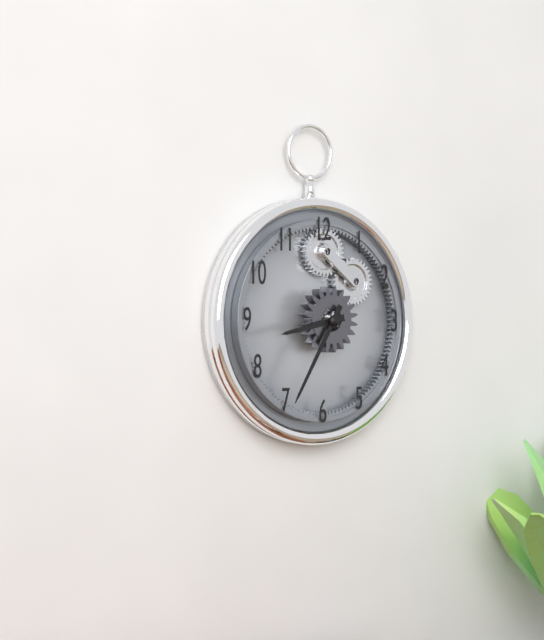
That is 8.35
